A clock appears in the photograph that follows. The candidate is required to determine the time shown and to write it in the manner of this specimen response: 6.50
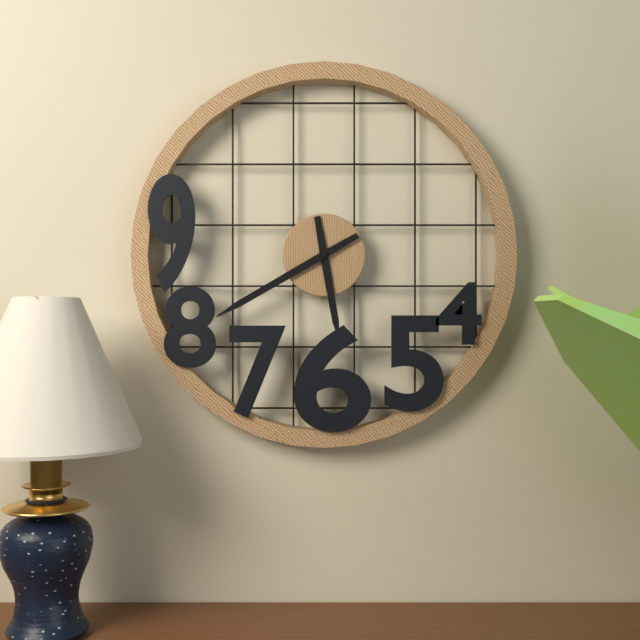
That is 5.40
